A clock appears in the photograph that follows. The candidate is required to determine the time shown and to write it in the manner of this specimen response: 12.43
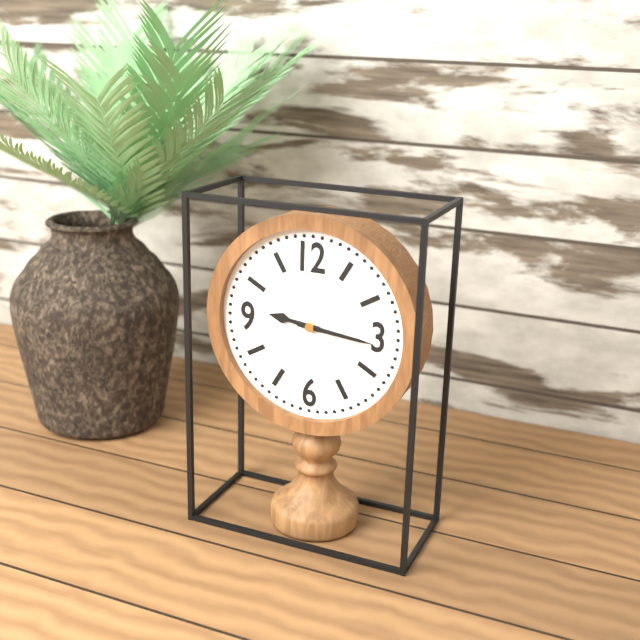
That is 9.16
